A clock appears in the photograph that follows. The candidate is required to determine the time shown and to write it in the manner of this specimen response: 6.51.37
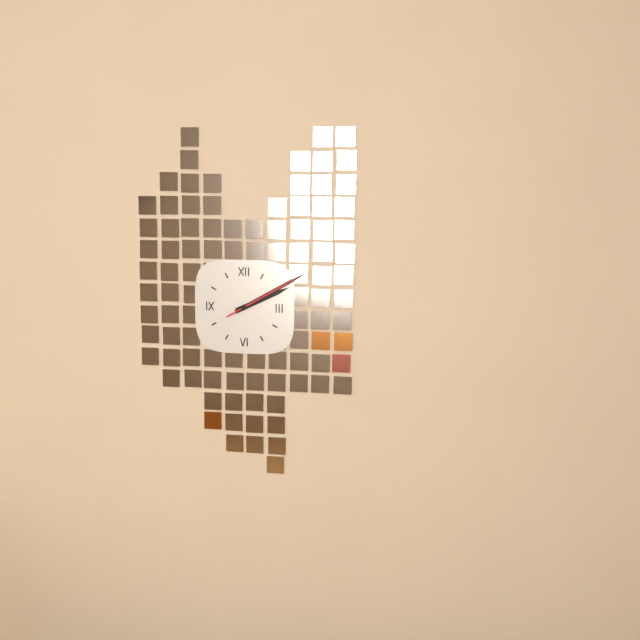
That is 2.10.10
